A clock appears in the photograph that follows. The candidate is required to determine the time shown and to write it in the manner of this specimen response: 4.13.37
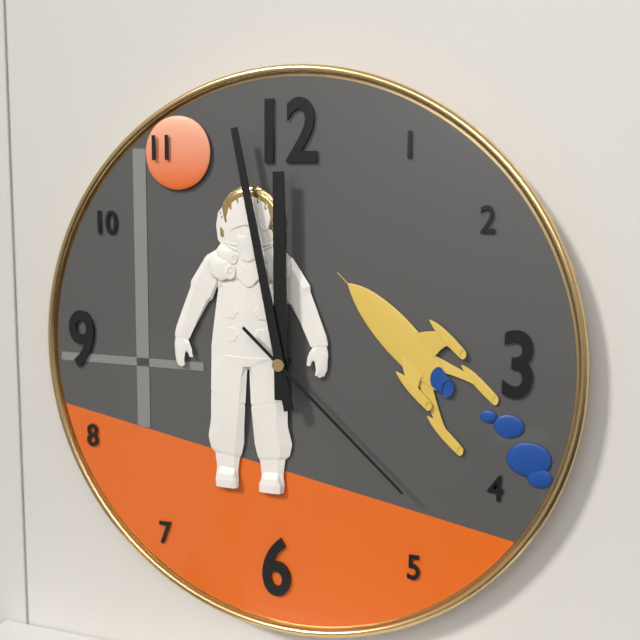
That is 11.58.22
